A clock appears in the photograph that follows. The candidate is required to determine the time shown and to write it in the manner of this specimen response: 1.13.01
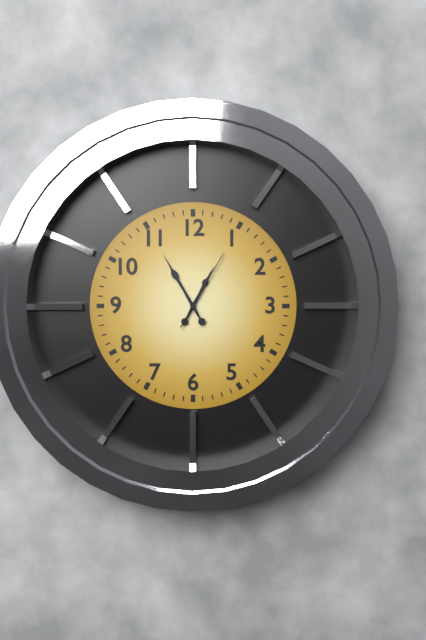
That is 12.55.05
